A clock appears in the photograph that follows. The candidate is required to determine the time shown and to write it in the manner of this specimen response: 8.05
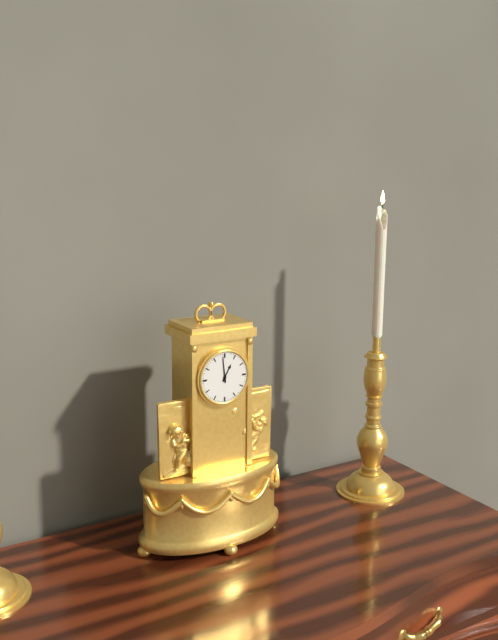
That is 12.59
